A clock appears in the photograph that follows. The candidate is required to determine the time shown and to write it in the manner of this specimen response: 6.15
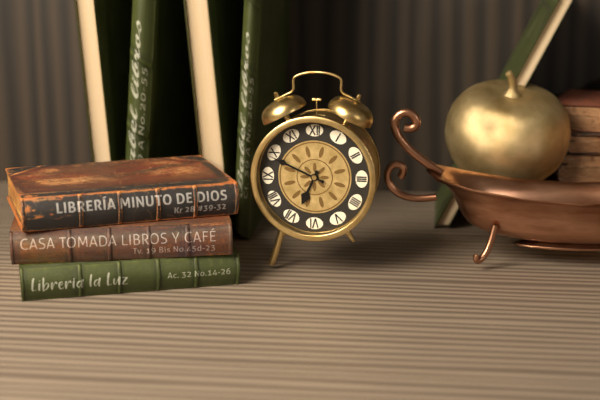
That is 6.49
